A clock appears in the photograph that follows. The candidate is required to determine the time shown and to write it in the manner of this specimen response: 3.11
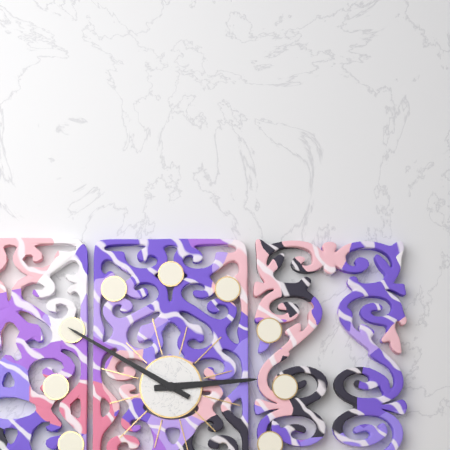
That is 2.50
